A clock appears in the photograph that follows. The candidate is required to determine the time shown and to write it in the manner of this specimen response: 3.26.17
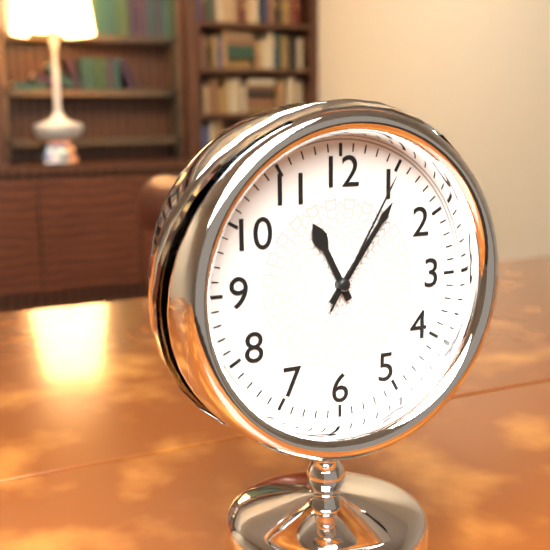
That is 11.06.05
